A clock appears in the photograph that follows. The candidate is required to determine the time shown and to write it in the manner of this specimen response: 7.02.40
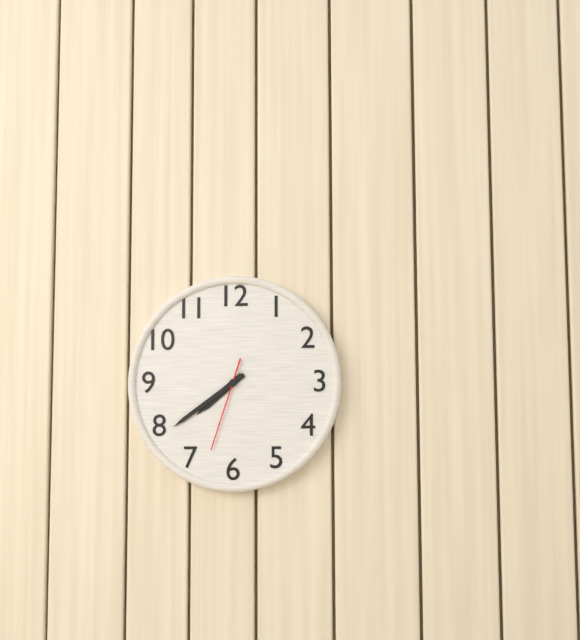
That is 7.39.33
